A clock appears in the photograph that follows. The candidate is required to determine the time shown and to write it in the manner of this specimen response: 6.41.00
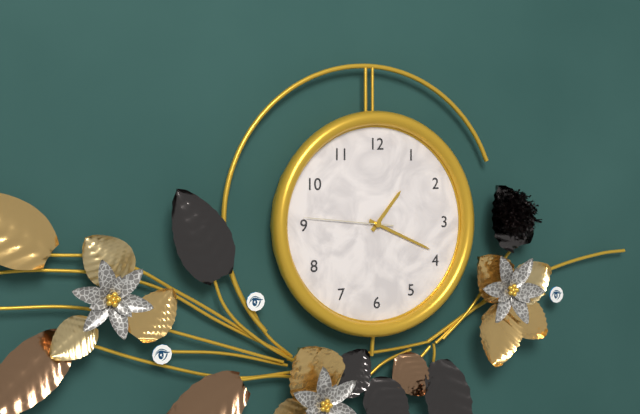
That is 1.19.46
